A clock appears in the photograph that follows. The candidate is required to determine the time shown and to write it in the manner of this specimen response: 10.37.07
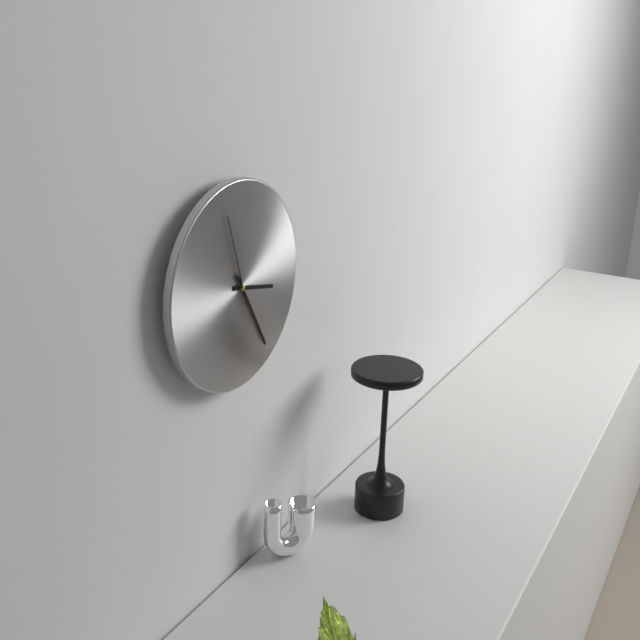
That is 3.25.57
